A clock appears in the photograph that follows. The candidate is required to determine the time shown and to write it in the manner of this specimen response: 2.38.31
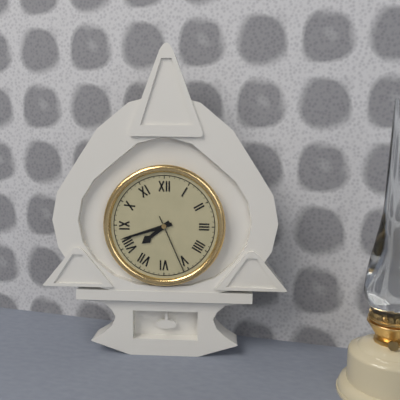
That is 7.42.26
